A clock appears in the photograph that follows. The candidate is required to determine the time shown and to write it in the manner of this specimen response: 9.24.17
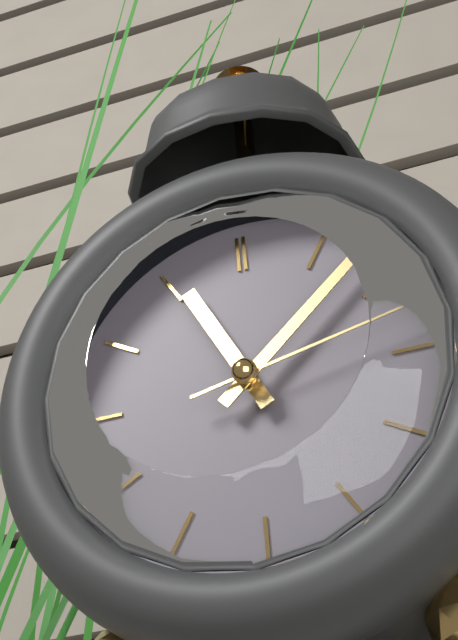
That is 11.08.13
